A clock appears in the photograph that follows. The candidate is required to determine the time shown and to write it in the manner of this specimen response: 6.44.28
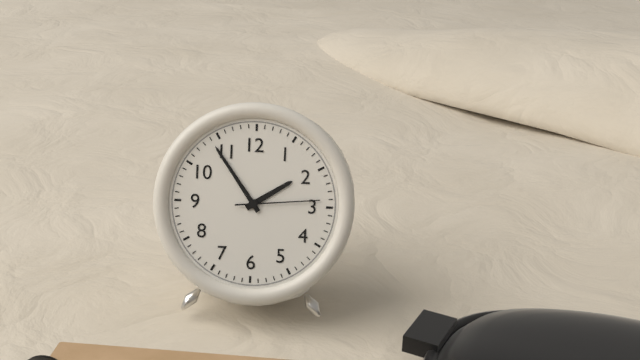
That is 1.54.14
